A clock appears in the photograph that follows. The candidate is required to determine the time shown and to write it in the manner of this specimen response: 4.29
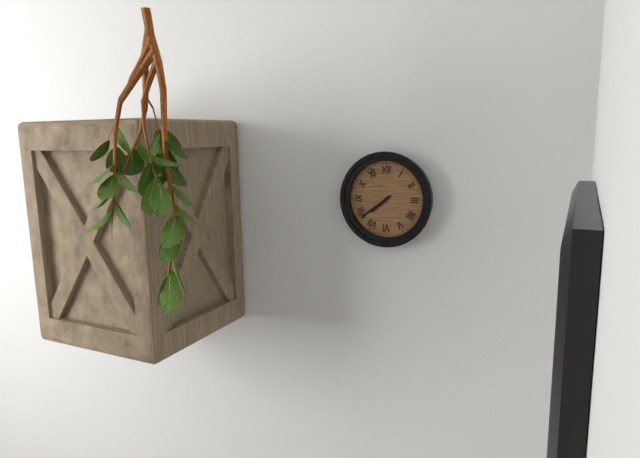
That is 7.39
